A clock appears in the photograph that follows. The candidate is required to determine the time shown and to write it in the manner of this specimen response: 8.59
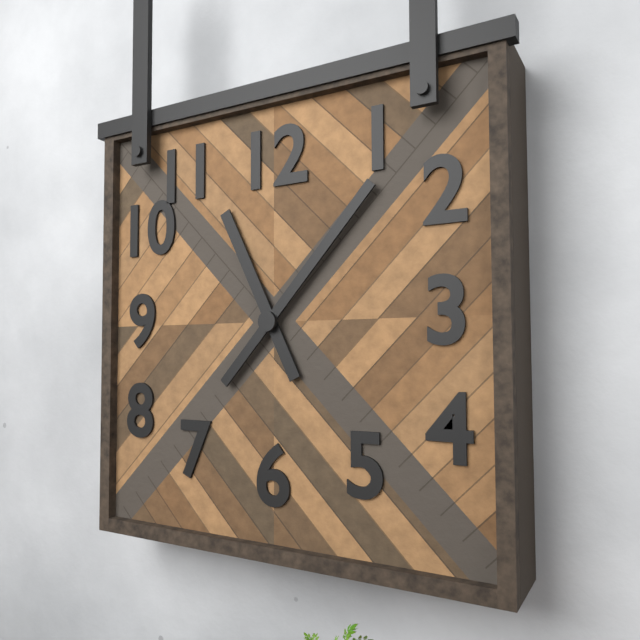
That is 11.07
